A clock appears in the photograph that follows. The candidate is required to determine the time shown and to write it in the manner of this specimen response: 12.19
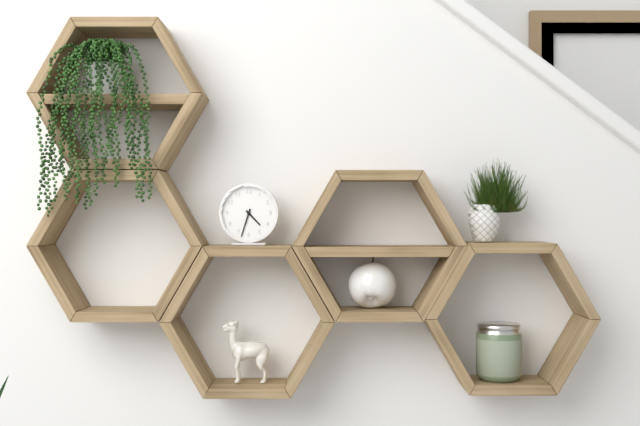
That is 4.33
